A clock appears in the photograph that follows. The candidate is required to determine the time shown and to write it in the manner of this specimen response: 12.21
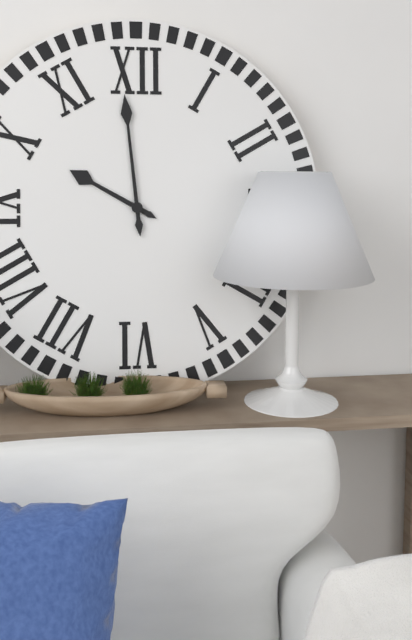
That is 9.59
